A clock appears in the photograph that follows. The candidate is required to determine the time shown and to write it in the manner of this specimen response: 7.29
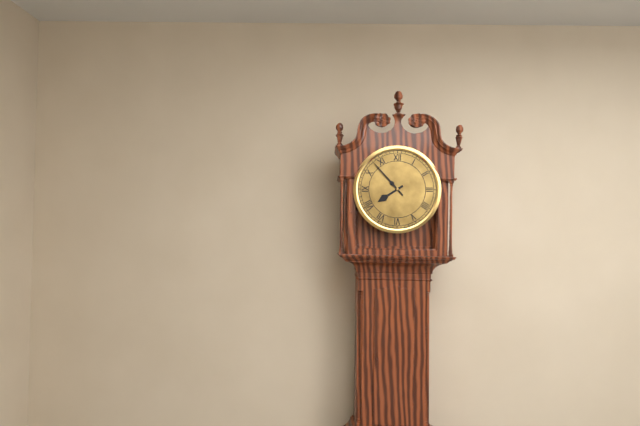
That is 7.53
